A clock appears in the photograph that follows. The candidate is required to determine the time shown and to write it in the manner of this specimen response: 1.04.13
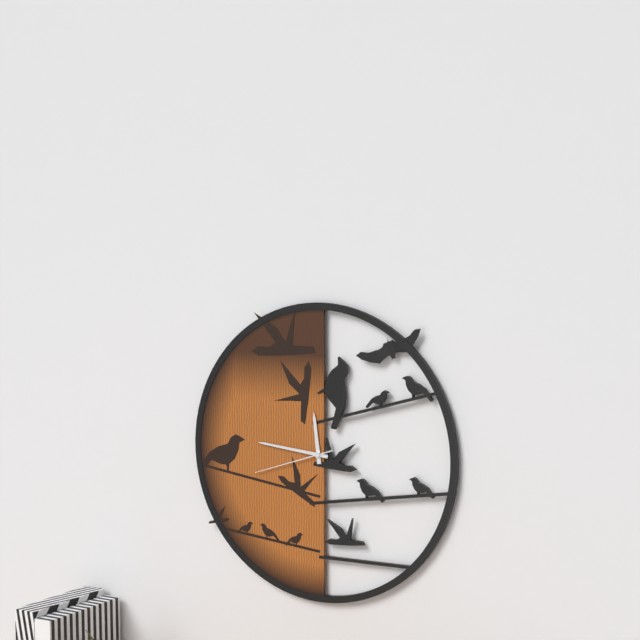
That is 11.46.42
